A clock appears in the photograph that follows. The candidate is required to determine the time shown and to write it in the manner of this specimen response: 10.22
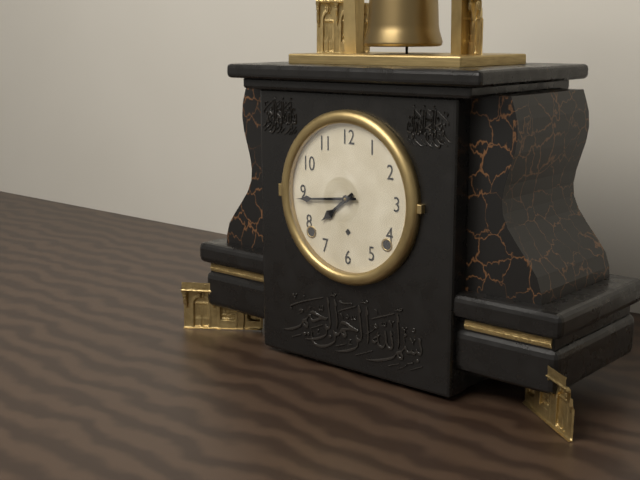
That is 7.44
